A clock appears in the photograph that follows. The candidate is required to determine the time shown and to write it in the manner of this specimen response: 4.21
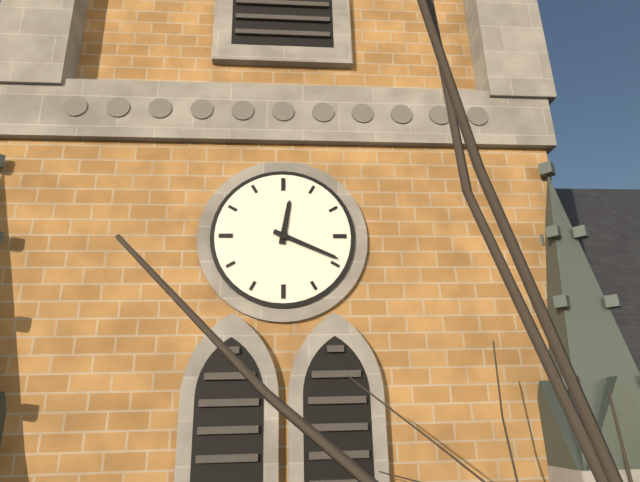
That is 12.19
